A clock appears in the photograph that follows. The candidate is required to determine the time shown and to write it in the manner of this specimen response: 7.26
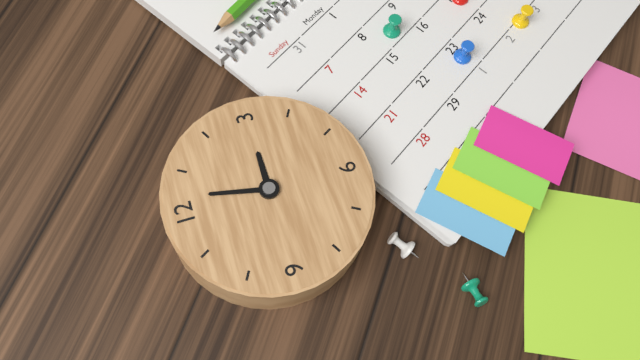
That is 3.02
